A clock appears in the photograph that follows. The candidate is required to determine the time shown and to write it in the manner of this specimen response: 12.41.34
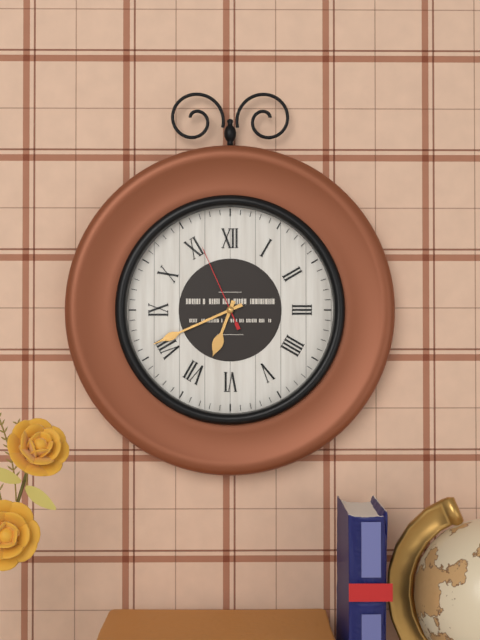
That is 6.41.56
